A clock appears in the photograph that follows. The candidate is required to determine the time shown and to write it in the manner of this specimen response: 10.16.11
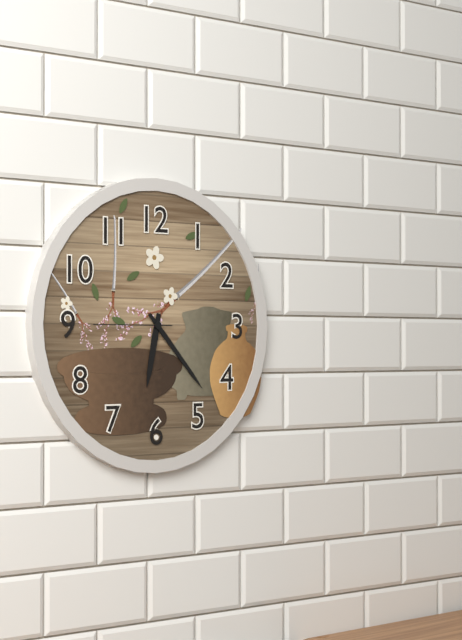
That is 6.23.45
